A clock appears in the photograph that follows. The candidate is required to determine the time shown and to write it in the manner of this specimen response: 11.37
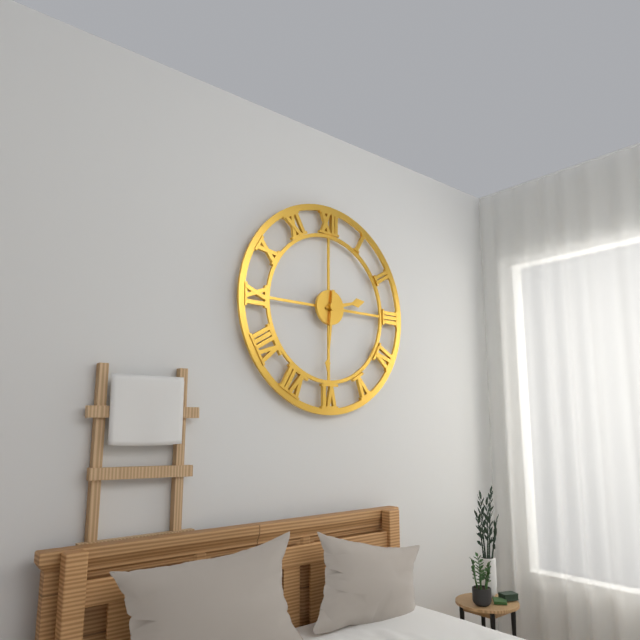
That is 2.31
